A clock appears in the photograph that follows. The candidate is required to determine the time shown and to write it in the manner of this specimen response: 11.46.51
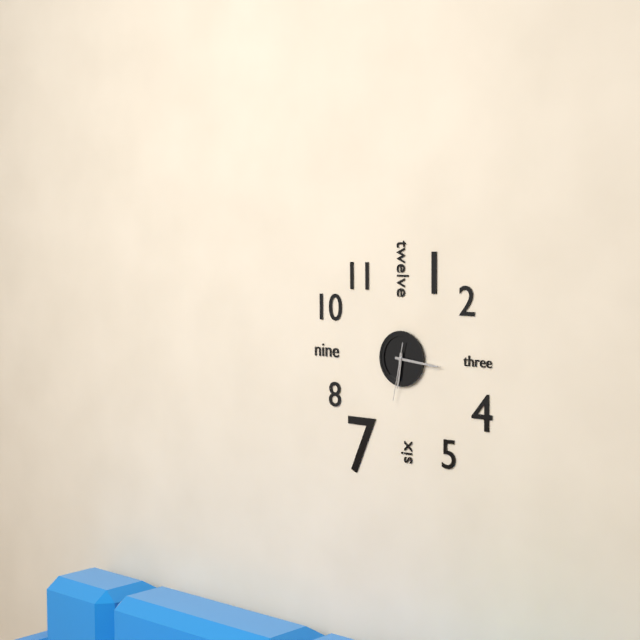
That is 6.16.32
